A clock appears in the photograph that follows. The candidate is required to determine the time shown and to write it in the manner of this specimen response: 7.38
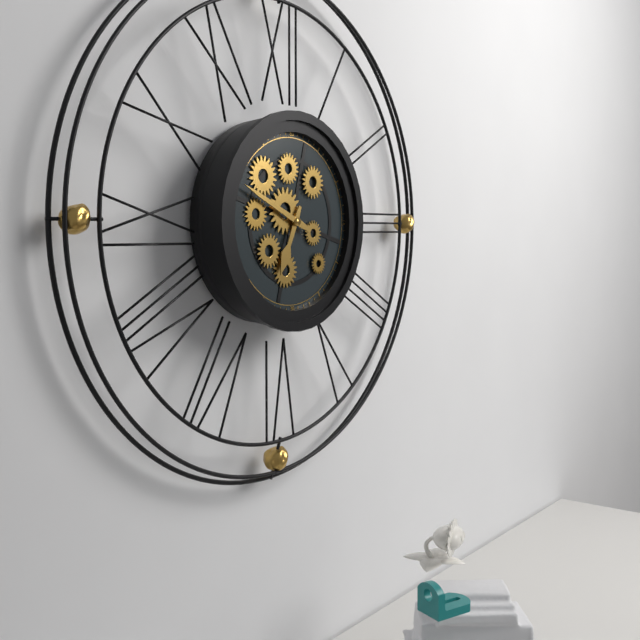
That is 6.49
